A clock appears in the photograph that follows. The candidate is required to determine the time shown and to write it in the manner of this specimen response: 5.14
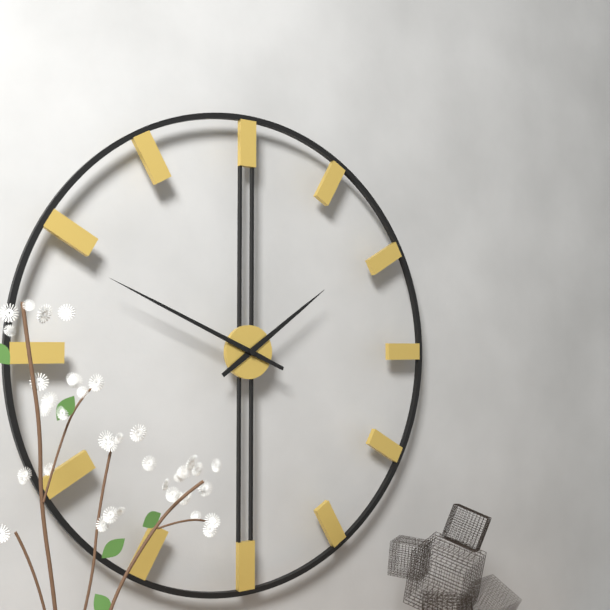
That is 1.49
